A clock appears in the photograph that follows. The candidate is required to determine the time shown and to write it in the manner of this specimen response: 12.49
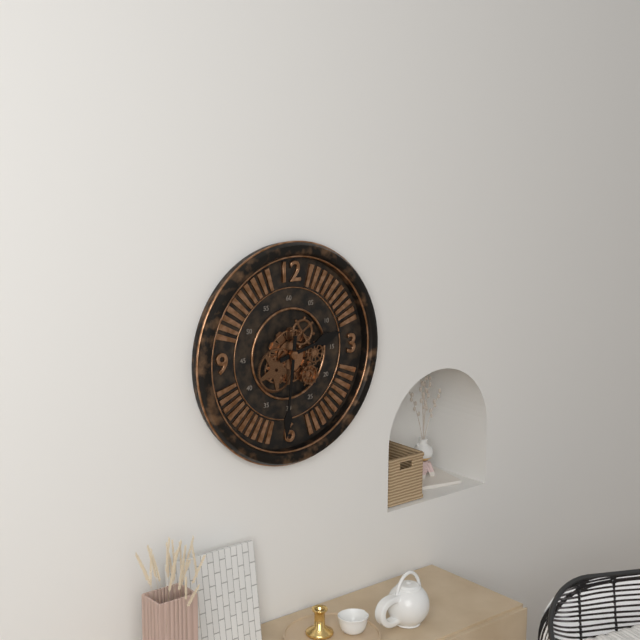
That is 2.31
